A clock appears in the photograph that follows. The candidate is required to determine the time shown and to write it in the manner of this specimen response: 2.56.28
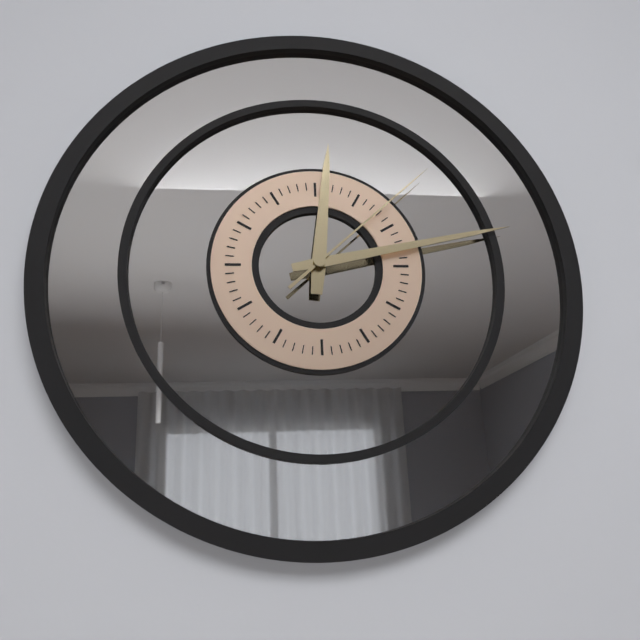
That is 12.13.08
